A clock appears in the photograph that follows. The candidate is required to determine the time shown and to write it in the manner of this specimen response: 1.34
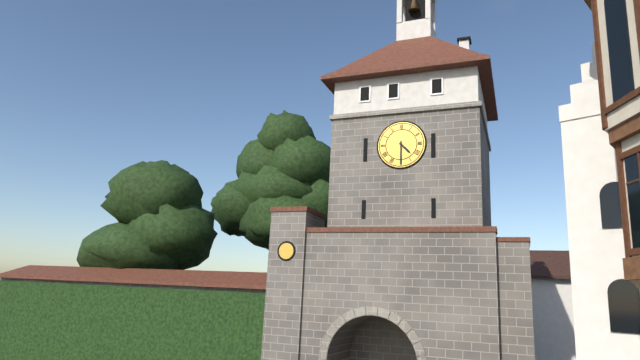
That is 4.30
